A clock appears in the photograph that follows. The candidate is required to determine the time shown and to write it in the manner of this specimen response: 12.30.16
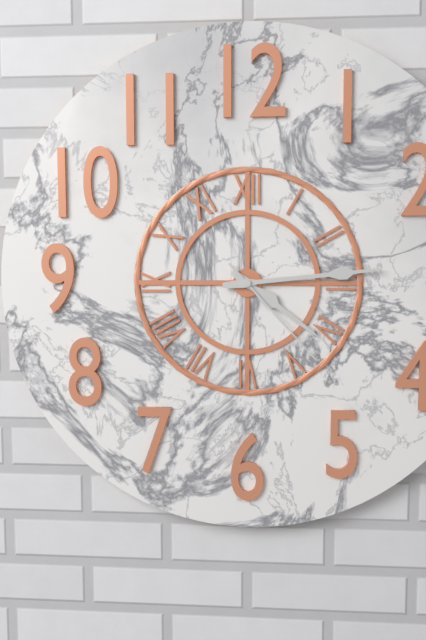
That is 4.14.23
